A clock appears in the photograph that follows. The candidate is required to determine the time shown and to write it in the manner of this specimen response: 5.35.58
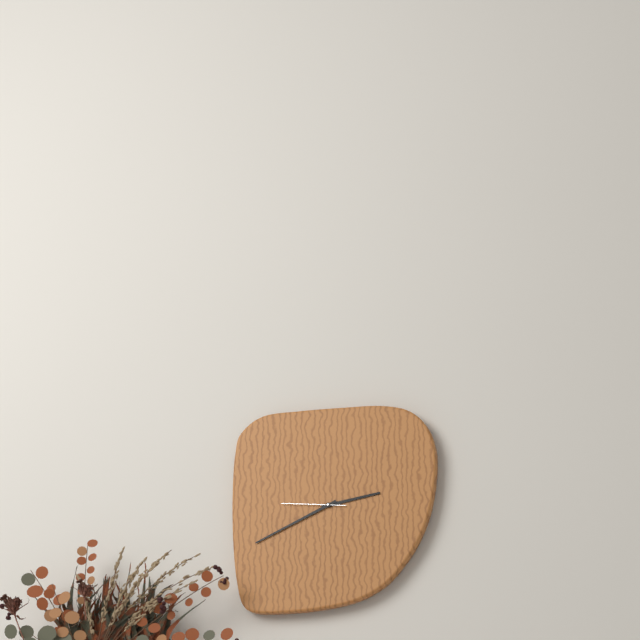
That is 2.41.46
